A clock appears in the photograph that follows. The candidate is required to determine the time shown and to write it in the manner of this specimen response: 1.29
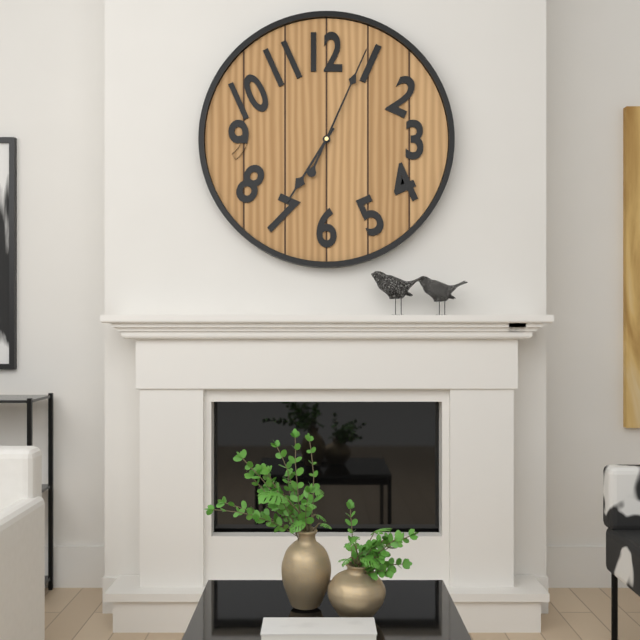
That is 7.04
